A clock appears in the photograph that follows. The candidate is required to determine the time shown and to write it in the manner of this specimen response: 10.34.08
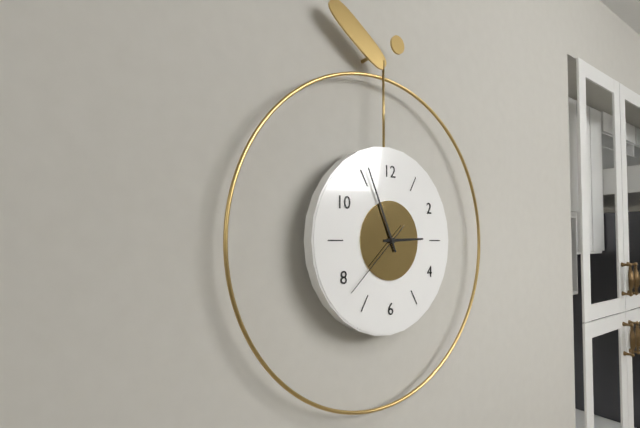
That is 2.56.38
